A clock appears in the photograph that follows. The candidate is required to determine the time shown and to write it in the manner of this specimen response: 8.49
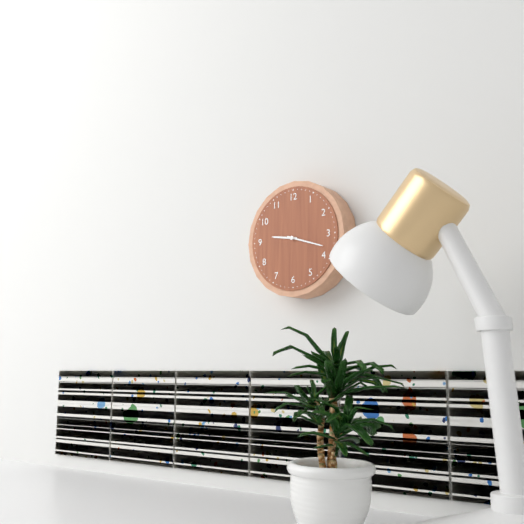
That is 9.18
